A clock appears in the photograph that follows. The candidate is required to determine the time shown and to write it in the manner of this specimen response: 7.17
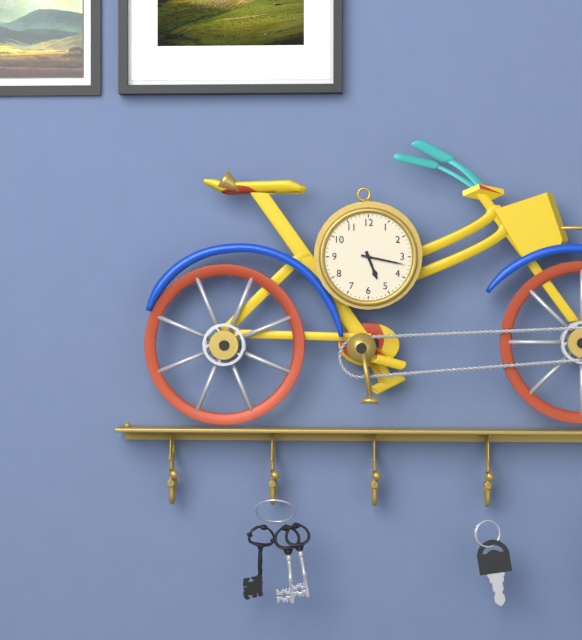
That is 5.17
